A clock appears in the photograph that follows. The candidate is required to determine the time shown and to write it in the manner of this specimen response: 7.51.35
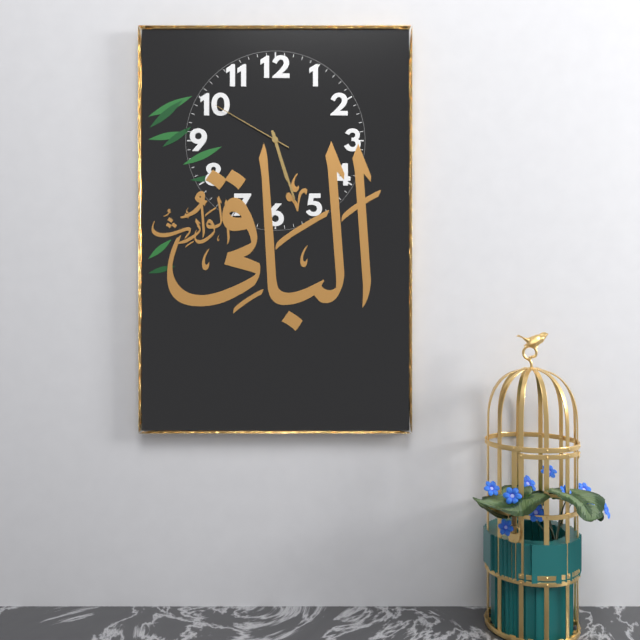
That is 5.27.50
